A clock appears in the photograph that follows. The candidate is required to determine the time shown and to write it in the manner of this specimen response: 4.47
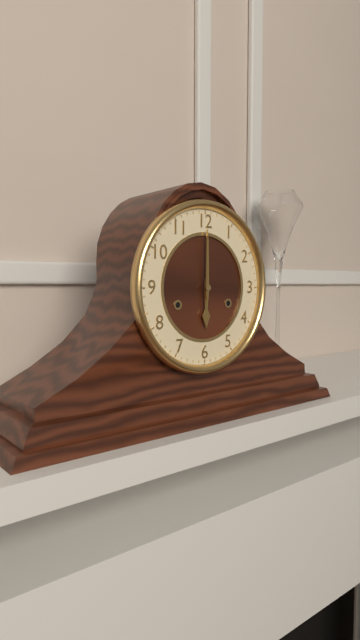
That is 6.00
